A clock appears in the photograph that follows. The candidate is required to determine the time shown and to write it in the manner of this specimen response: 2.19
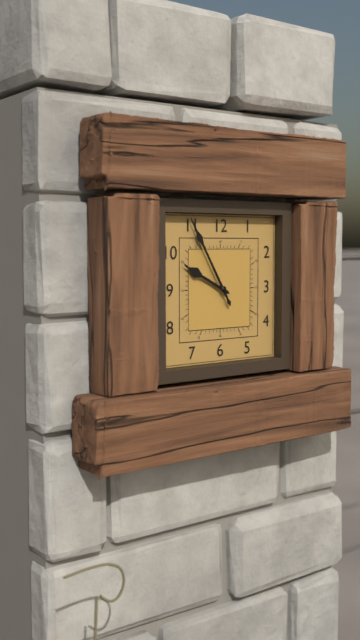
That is 9.55
